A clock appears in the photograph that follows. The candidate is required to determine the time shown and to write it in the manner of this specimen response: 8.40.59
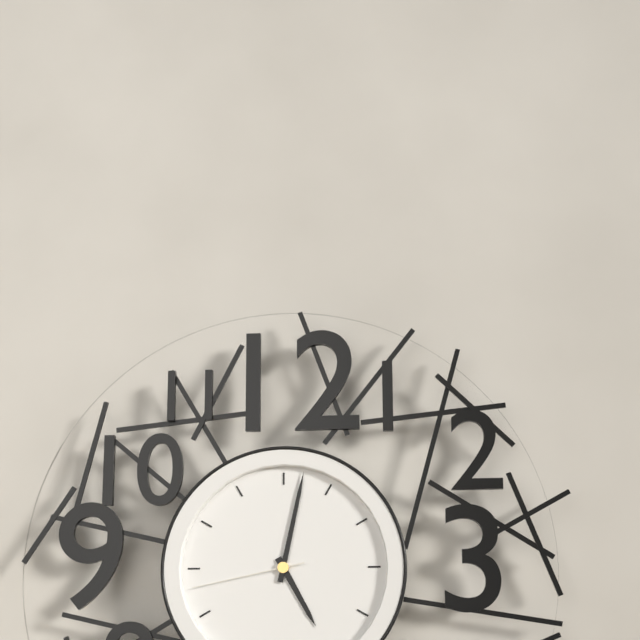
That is 5.02.43
